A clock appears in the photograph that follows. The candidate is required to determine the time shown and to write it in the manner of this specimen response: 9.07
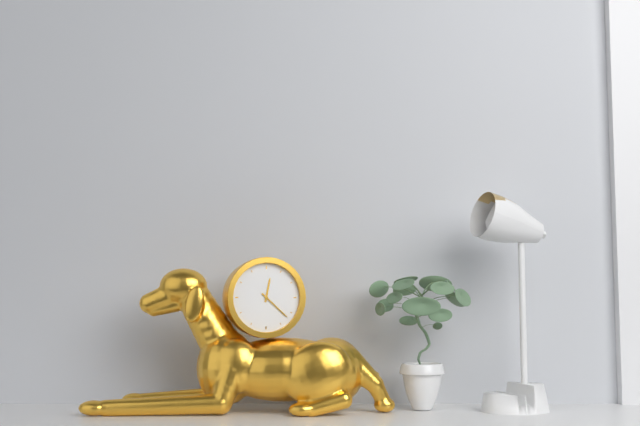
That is 12.22
